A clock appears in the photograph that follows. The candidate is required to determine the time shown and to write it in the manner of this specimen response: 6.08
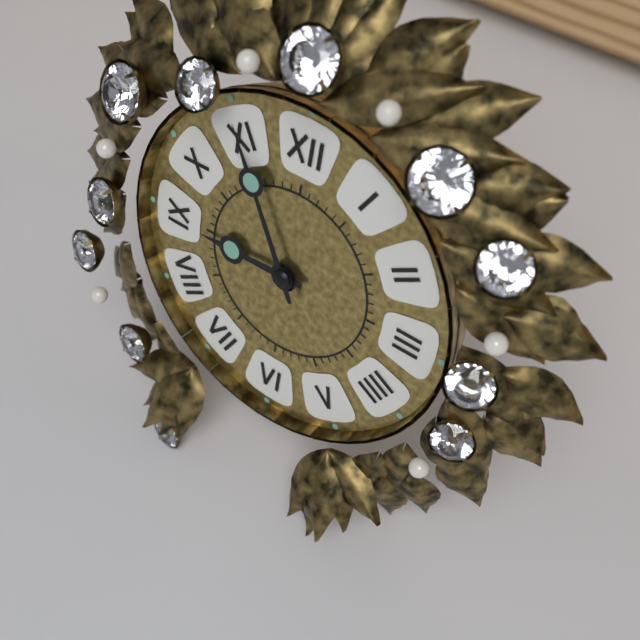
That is 8.55
